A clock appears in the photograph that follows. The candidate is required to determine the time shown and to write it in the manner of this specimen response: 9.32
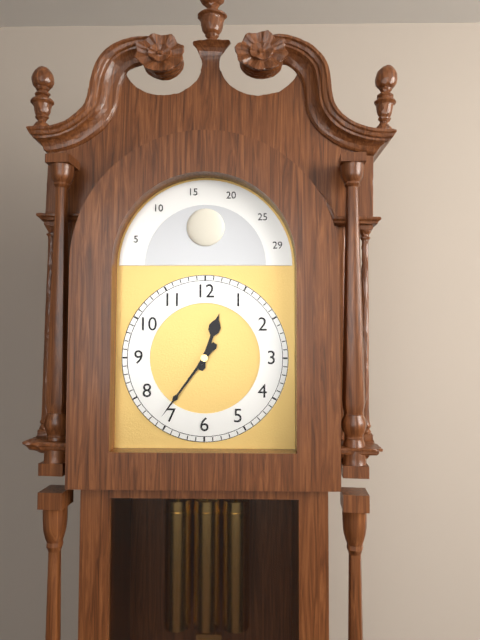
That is 12.36
